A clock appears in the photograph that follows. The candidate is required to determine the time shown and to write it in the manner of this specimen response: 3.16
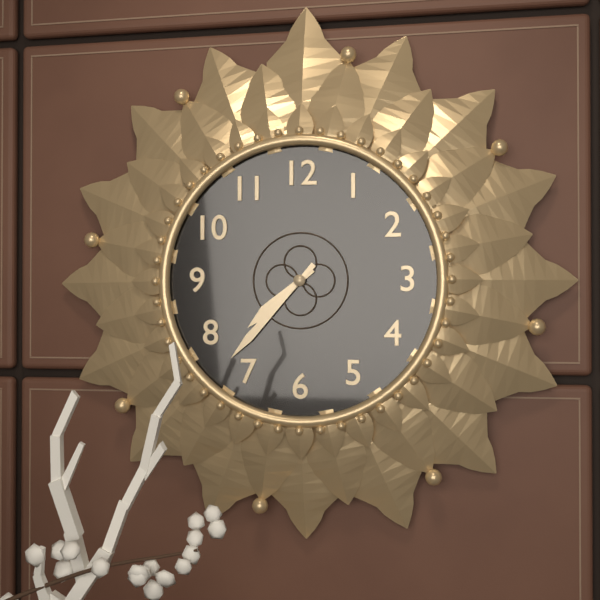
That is 7.37
